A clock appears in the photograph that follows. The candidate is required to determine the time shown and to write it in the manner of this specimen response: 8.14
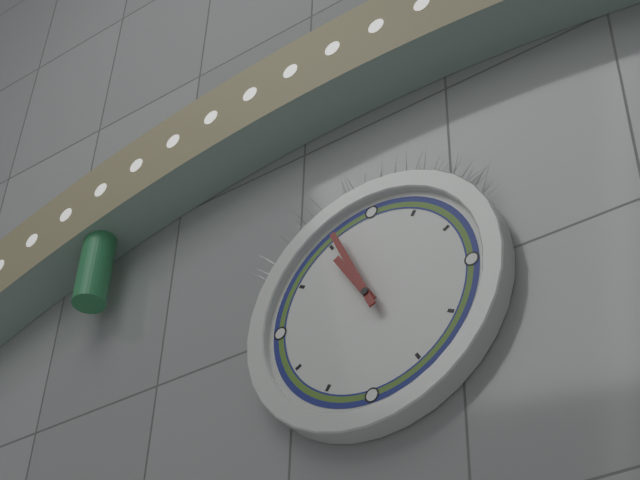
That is 10.56
